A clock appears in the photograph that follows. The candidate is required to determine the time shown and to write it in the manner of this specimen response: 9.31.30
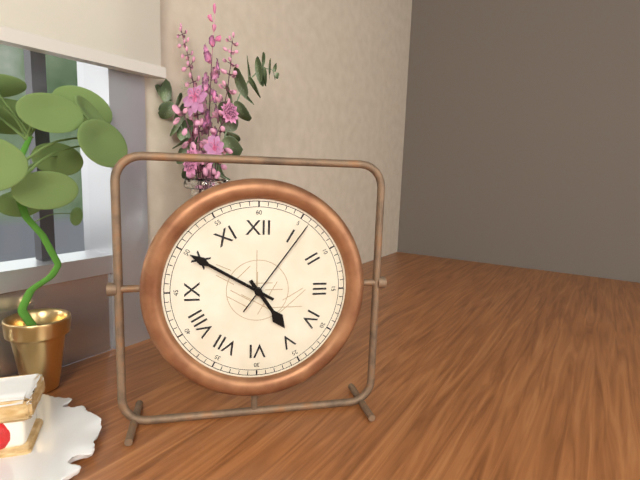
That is 4.50.06
